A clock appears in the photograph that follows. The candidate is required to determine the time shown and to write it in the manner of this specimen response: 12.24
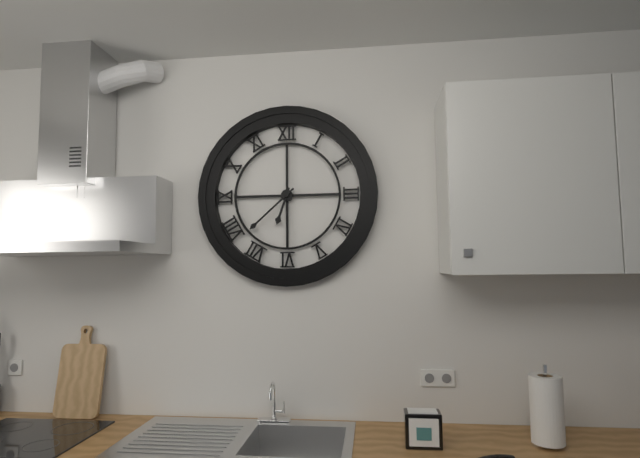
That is 6.38
